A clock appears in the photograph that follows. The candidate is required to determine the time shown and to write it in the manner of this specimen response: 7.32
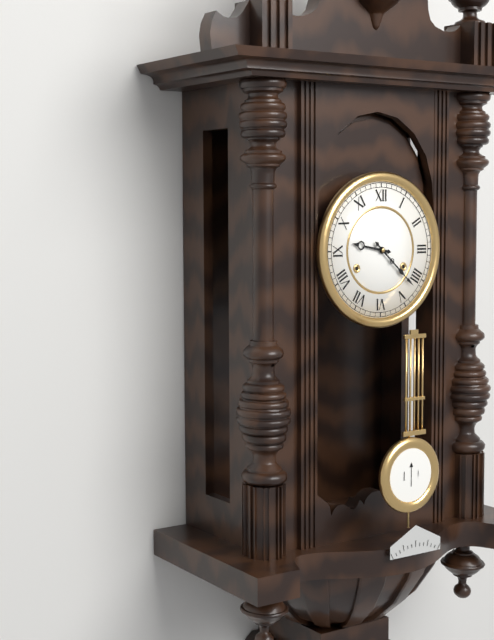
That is 9.22
